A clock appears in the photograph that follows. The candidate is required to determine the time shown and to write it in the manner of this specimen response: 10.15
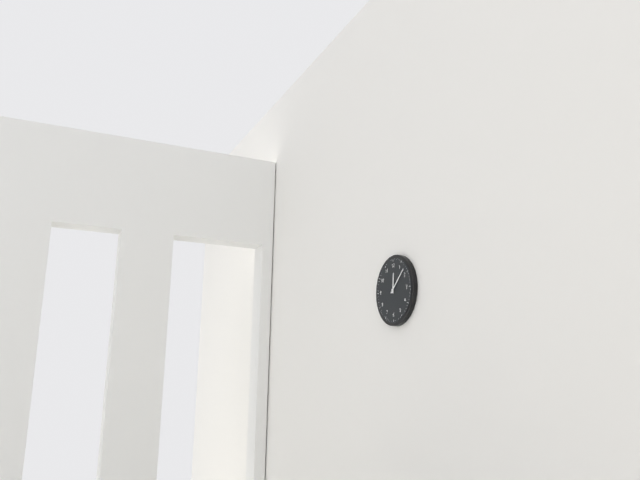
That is 12.08
